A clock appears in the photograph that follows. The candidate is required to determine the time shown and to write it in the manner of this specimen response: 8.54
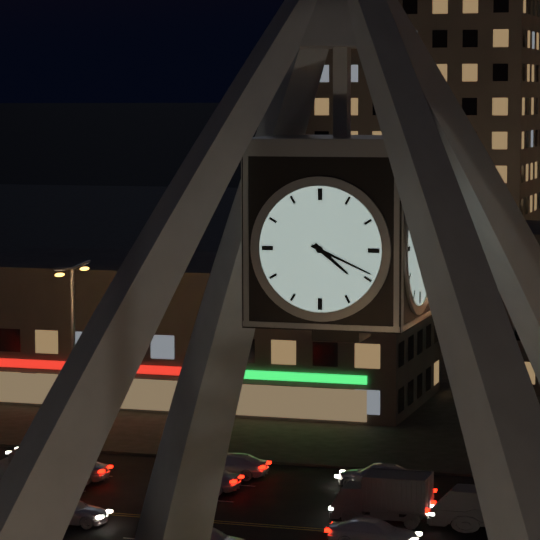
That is 4.19
